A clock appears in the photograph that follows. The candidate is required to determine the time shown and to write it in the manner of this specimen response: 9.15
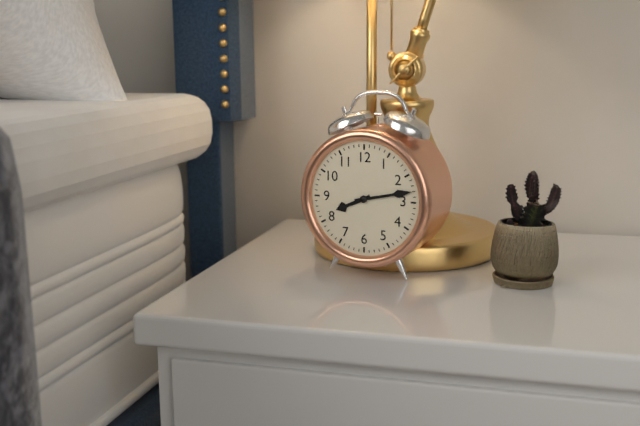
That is 8.13
